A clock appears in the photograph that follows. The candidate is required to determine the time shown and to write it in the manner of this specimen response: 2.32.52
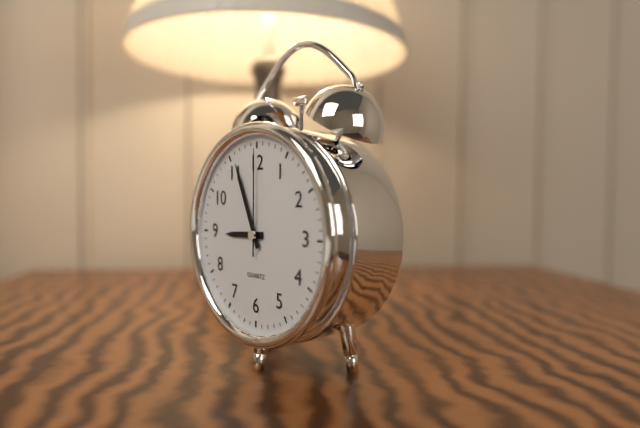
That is 8.56.00
